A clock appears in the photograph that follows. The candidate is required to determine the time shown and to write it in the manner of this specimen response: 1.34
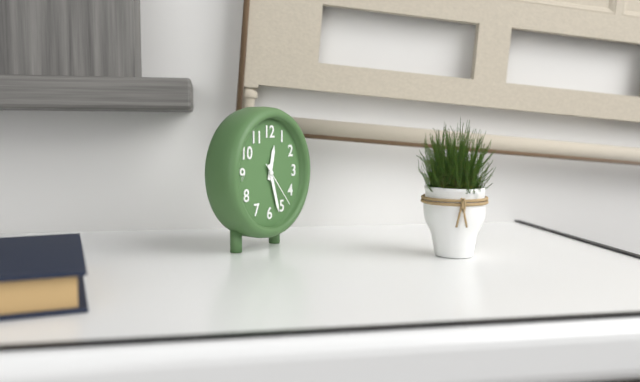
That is 12.27
